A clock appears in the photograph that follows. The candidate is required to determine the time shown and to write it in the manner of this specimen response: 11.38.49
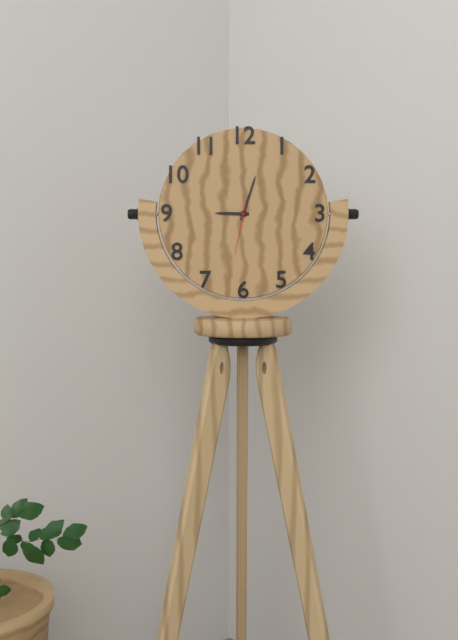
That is 9.03.32
